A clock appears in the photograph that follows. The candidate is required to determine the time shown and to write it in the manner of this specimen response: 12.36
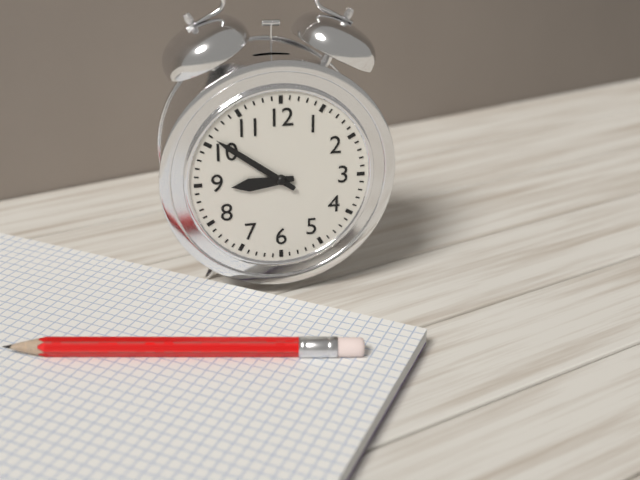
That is 8.51
